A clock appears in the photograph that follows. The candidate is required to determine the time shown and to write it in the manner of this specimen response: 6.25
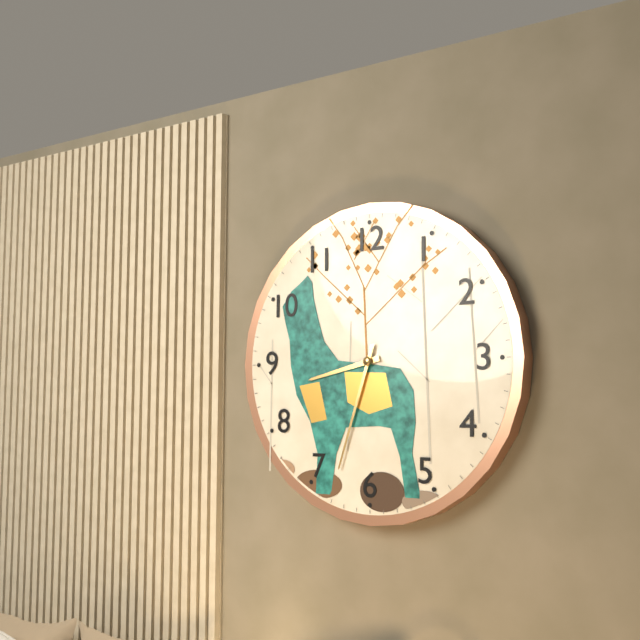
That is 8.33
